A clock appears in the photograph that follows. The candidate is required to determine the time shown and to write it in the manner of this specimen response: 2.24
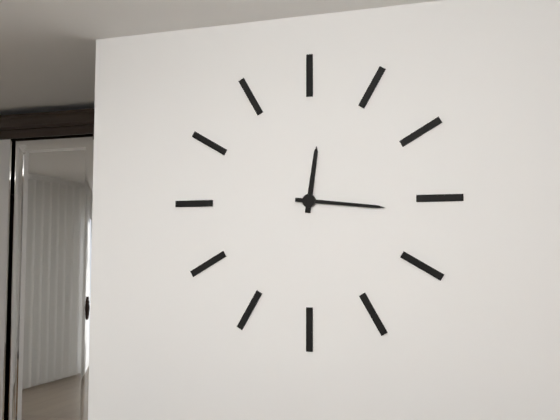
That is 12.16
